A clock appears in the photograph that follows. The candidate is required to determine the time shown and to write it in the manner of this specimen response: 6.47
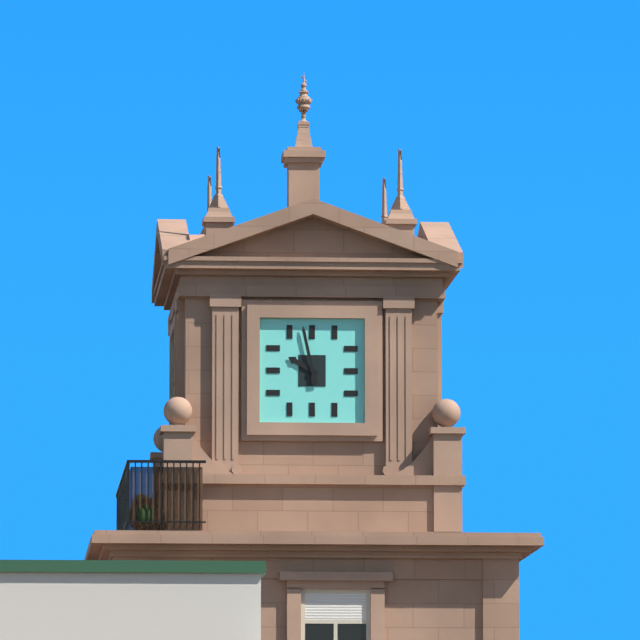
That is 9.58
